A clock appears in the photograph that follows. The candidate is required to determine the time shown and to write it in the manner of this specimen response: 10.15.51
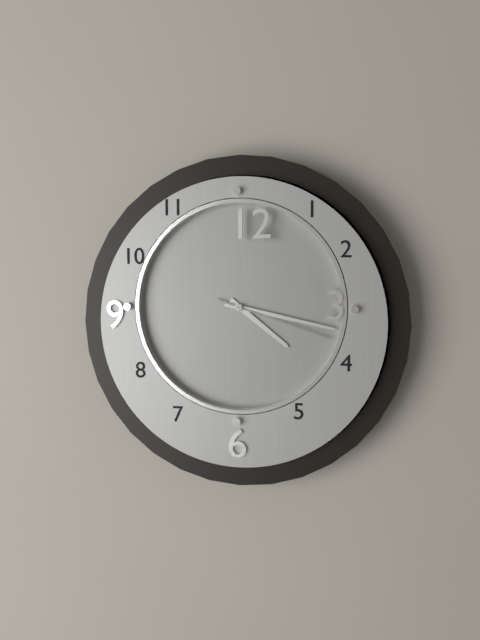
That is 4.17.18
